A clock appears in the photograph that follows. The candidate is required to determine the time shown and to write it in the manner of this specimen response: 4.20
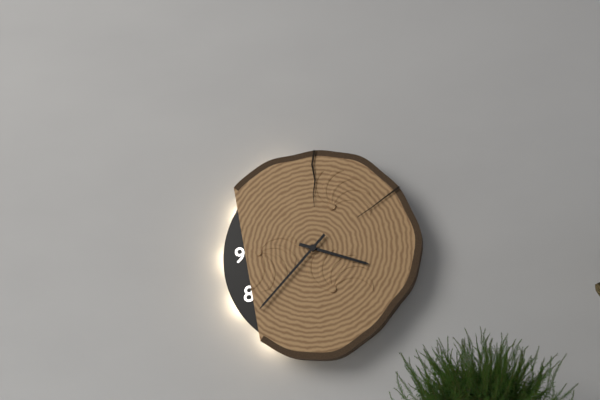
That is 3.37
